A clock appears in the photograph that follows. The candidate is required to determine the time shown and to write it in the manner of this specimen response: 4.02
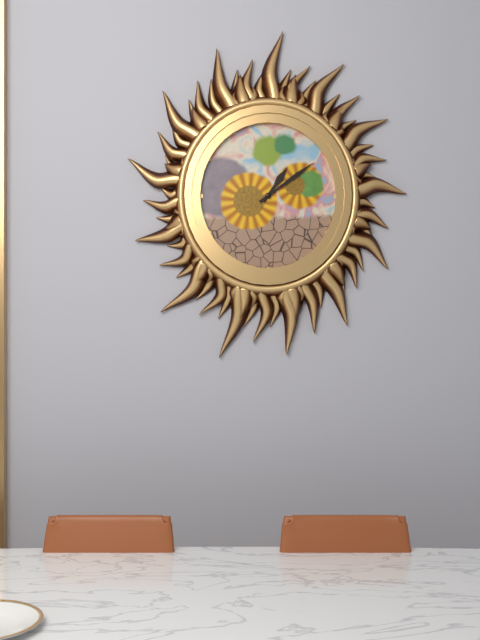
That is 1.09
